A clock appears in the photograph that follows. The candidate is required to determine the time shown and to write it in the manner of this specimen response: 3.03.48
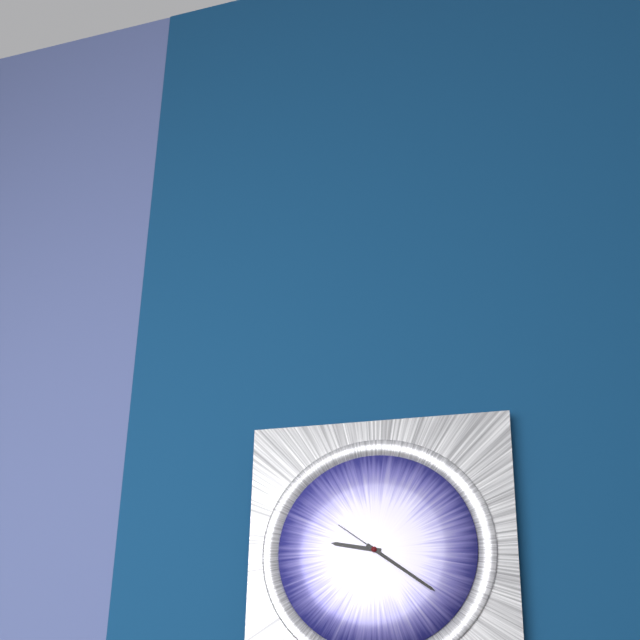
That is 9.21.51
